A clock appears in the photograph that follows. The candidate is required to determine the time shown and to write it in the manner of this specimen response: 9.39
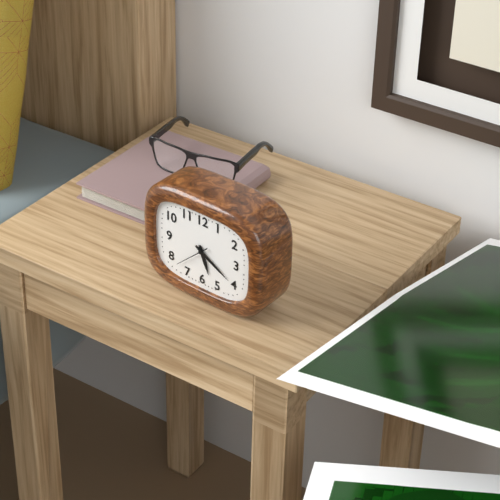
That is 5.20
